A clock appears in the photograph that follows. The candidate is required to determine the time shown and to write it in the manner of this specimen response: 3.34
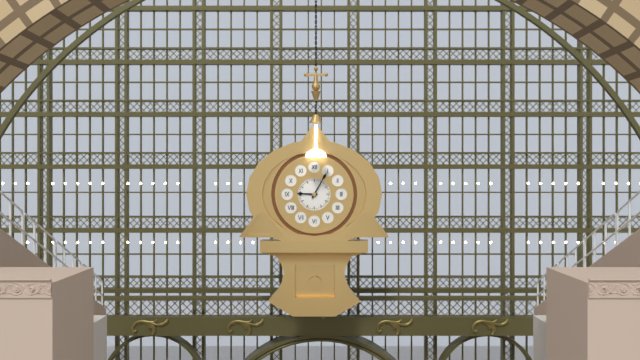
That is 9.05
